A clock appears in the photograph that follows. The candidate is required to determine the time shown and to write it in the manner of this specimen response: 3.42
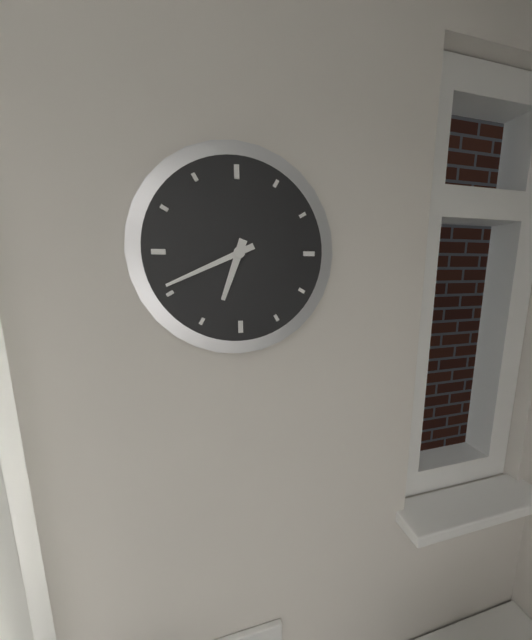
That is 6.41
